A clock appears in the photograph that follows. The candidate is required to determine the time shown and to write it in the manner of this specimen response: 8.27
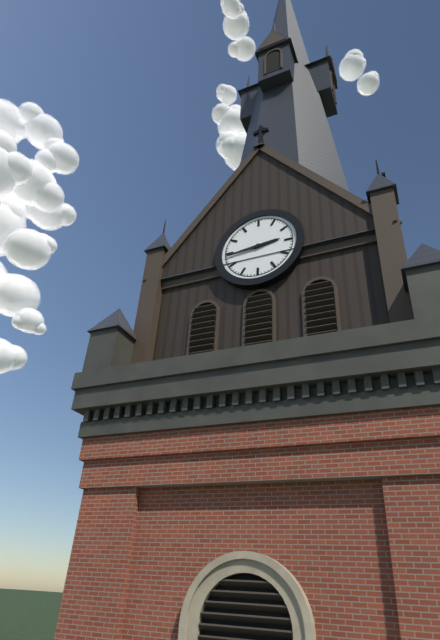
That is 2.44
